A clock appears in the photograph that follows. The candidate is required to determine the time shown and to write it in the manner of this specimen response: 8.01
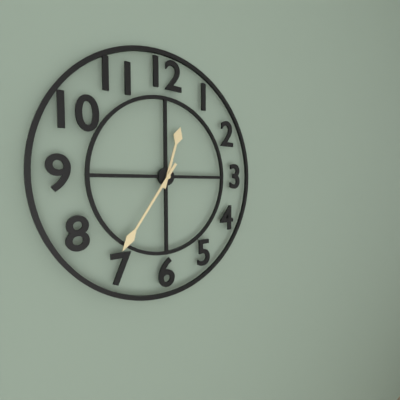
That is 12.36
